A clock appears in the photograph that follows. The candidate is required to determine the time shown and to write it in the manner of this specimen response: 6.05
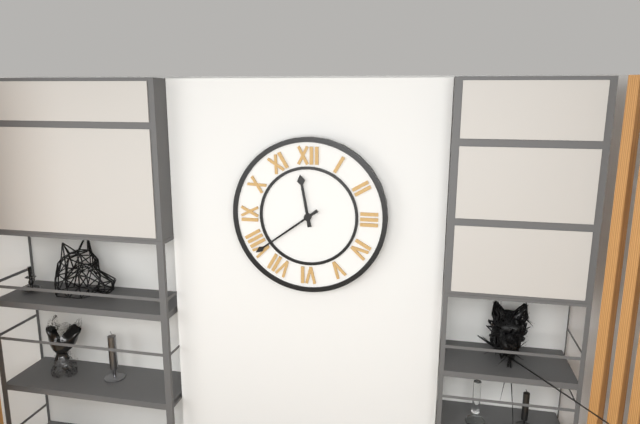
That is 11.39
